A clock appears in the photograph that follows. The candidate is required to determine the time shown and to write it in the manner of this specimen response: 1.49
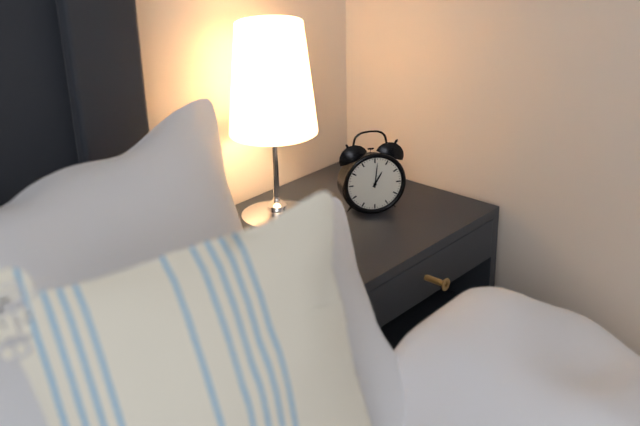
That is 1.01
